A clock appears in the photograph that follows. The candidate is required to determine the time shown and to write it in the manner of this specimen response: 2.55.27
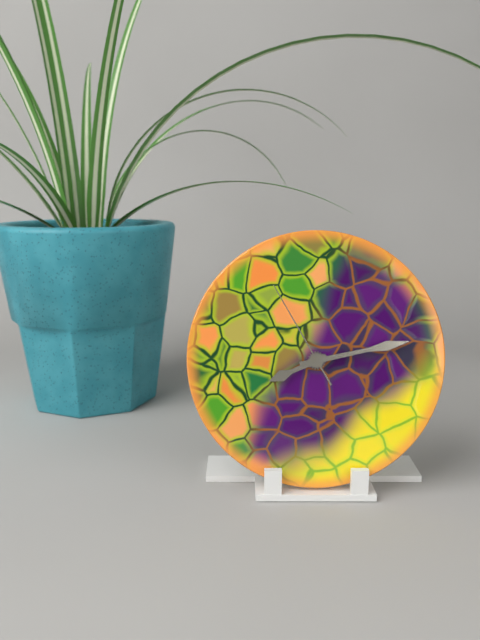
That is 8.13.55
